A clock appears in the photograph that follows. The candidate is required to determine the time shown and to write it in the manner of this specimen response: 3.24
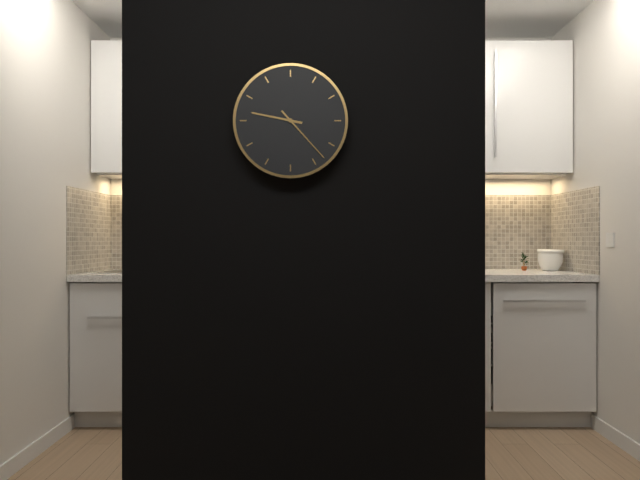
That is 9.23
